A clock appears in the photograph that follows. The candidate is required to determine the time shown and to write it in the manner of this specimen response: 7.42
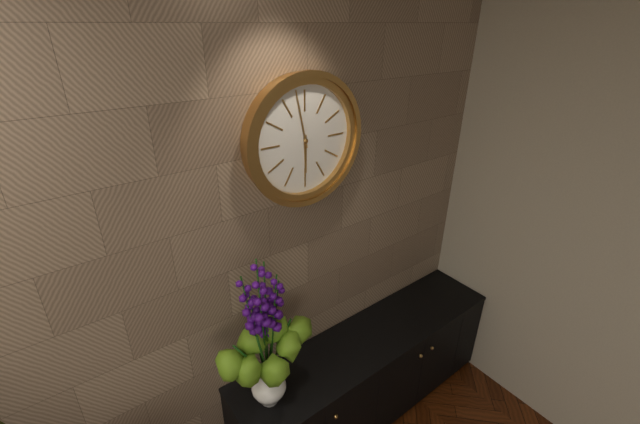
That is 5.58
